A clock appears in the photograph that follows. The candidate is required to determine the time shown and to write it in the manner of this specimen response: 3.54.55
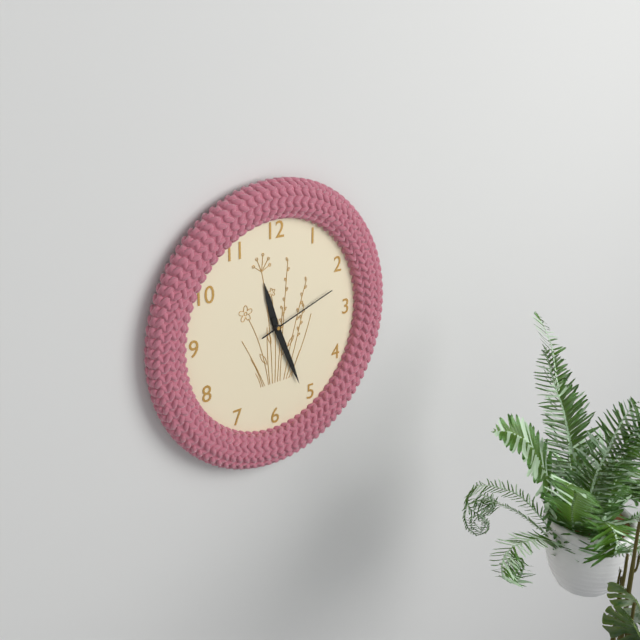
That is 11.26.12
